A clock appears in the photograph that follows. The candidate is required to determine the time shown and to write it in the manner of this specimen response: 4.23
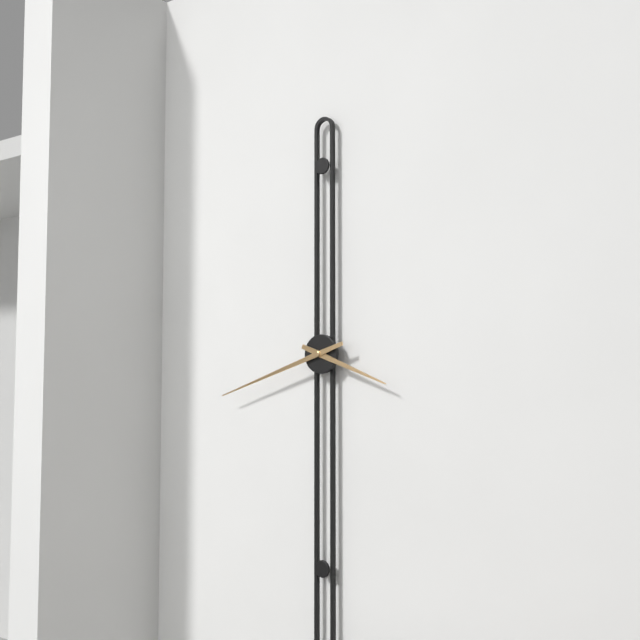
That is 3.42
